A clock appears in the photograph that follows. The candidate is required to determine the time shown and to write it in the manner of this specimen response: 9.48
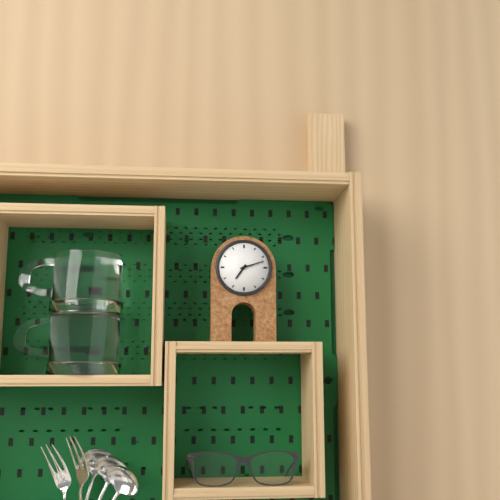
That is 7.12
